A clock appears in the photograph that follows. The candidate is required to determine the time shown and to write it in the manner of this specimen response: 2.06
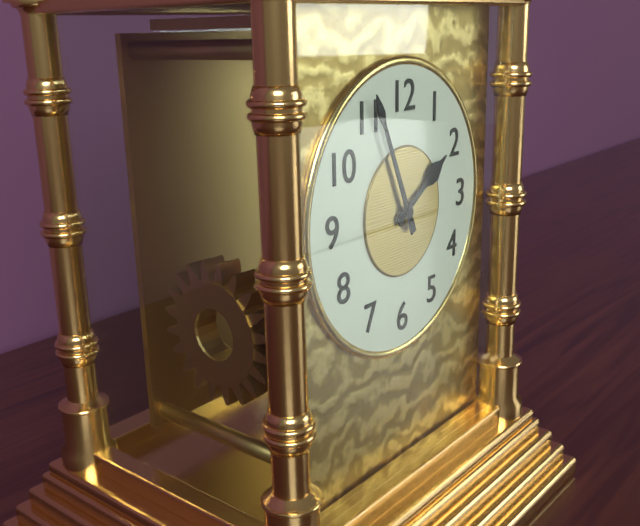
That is 1.56
